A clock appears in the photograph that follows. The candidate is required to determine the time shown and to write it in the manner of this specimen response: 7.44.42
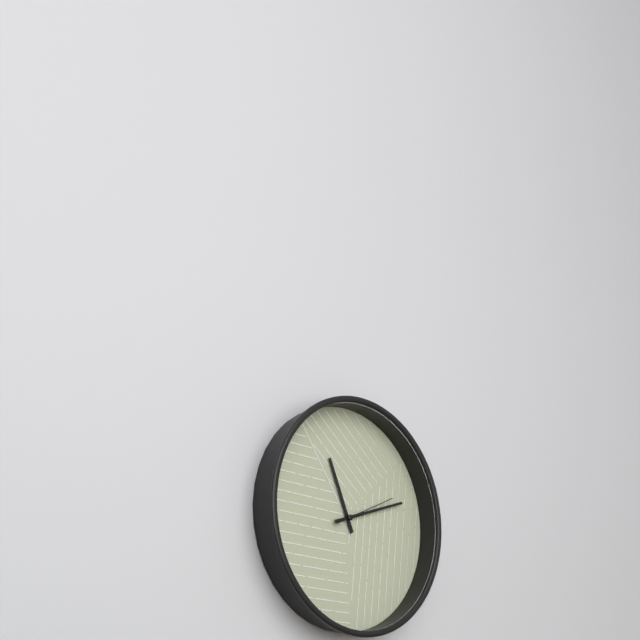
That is 11.12.11
